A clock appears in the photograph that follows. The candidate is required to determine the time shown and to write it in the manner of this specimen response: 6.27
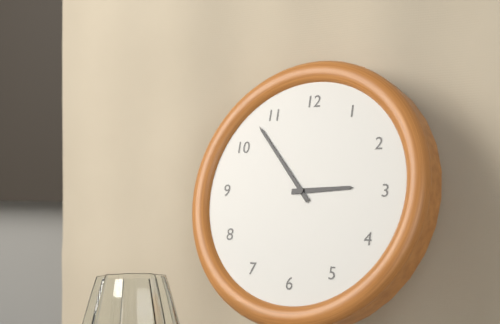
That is 2.53
